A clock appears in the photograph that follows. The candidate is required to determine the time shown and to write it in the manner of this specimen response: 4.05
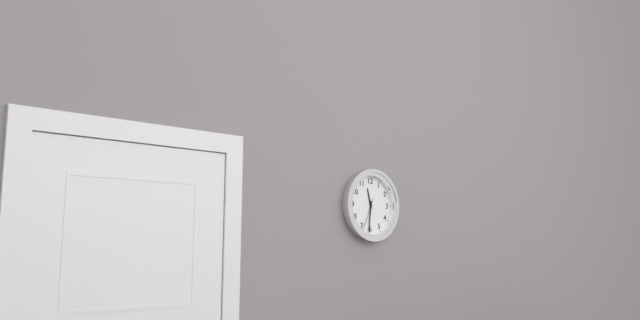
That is 11.31
